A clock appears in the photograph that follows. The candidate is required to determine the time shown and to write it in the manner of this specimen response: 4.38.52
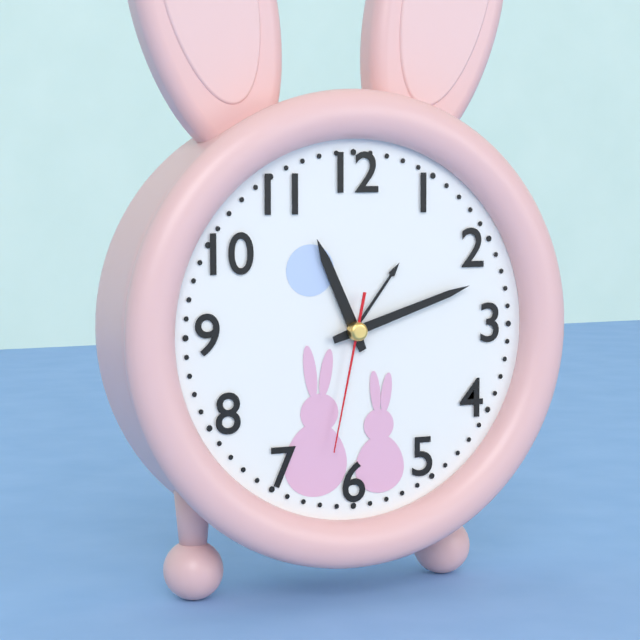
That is 11.12.32
